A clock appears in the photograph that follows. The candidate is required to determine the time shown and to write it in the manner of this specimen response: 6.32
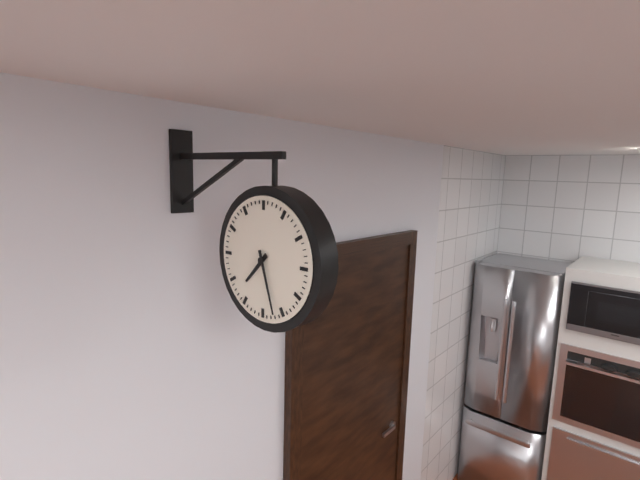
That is 7.27
